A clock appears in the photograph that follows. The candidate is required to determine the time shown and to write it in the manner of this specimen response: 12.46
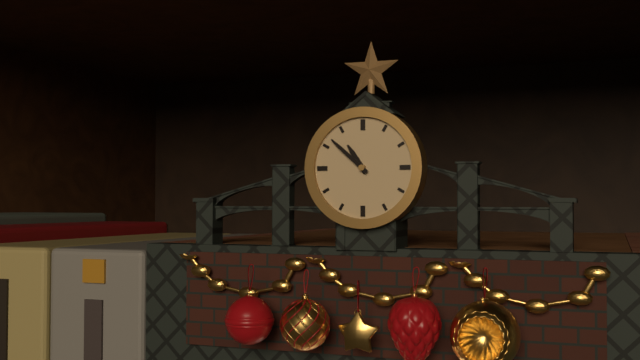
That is 10.52
